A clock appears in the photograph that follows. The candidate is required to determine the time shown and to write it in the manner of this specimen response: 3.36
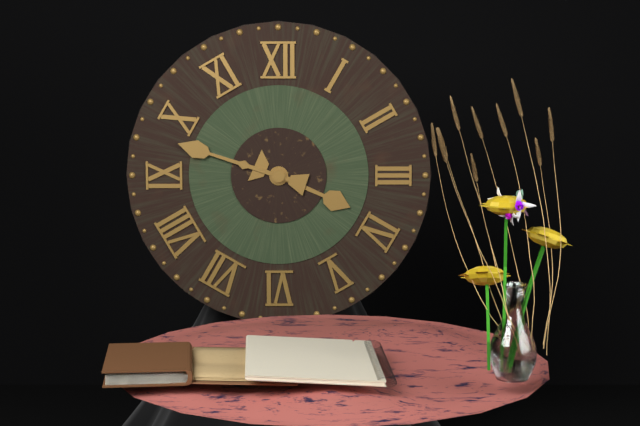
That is 3.48
